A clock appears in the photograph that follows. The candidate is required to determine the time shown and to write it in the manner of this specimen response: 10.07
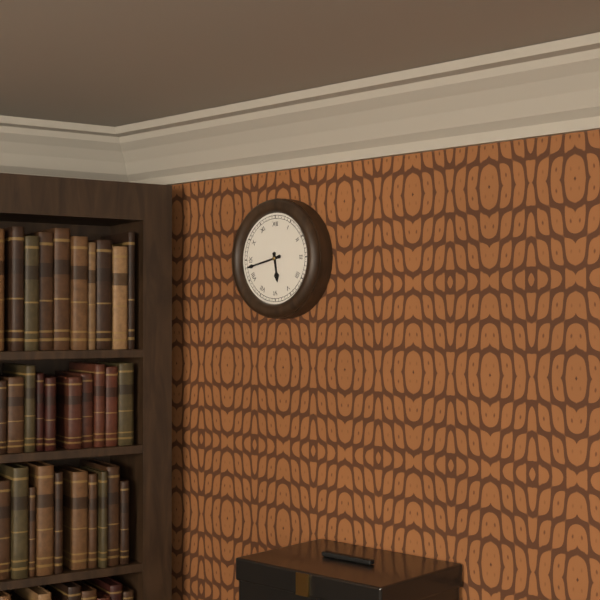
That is 5.43
